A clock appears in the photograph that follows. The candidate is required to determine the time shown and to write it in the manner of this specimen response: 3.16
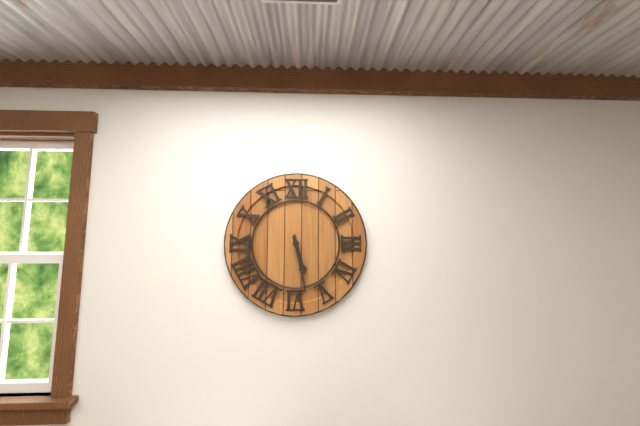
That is 5.28
